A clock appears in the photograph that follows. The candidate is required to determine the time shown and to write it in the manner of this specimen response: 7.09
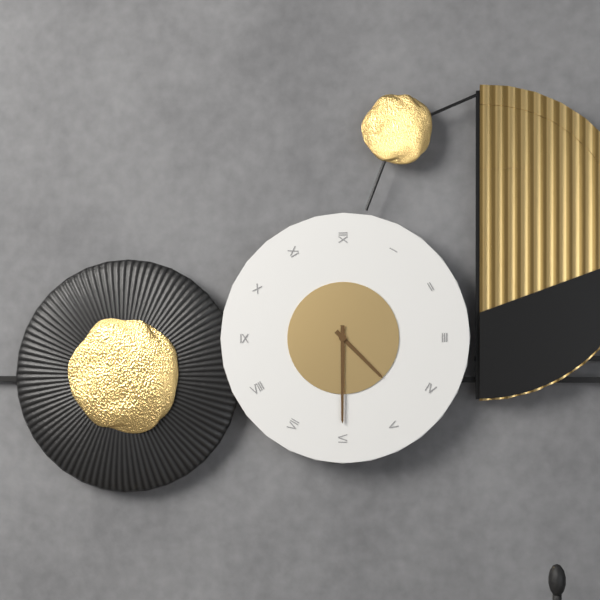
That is 4.30
